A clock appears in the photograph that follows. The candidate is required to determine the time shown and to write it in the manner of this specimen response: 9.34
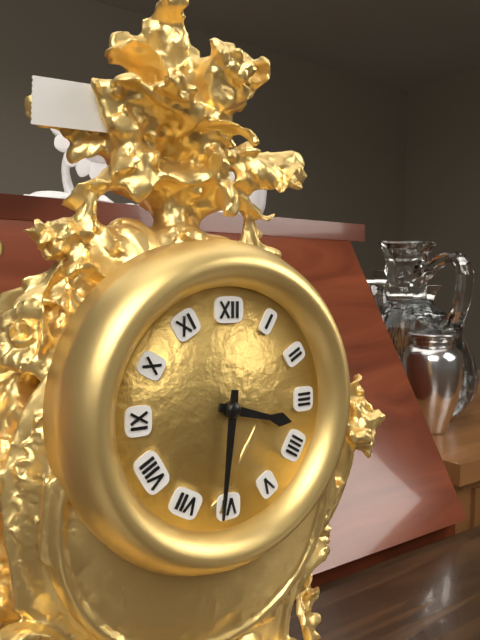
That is 3.31
